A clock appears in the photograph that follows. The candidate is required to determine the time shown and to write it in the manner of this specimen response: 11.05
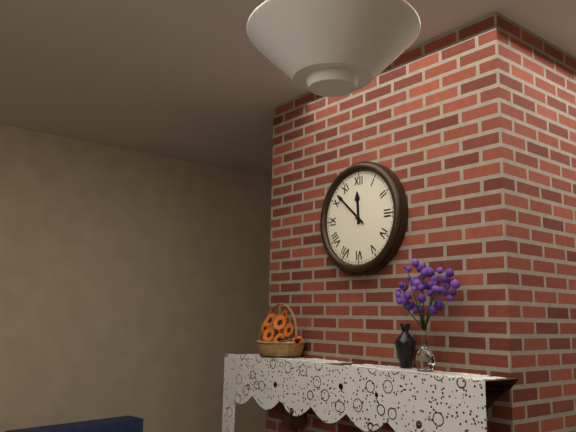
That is 11.52
